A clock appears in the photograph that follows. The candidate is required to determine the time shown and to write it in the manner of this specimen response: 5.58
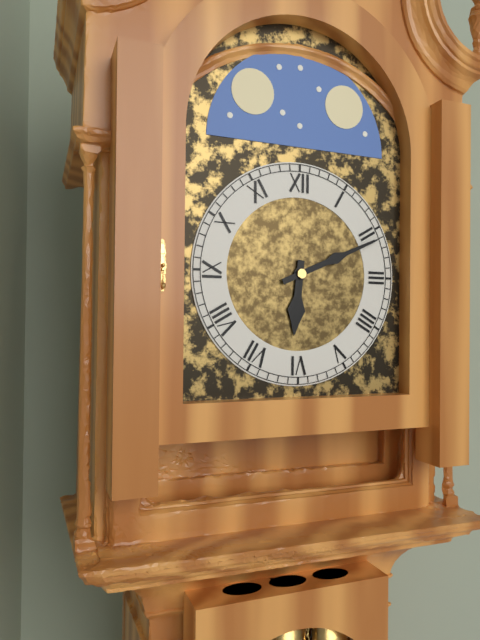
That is 6.11
